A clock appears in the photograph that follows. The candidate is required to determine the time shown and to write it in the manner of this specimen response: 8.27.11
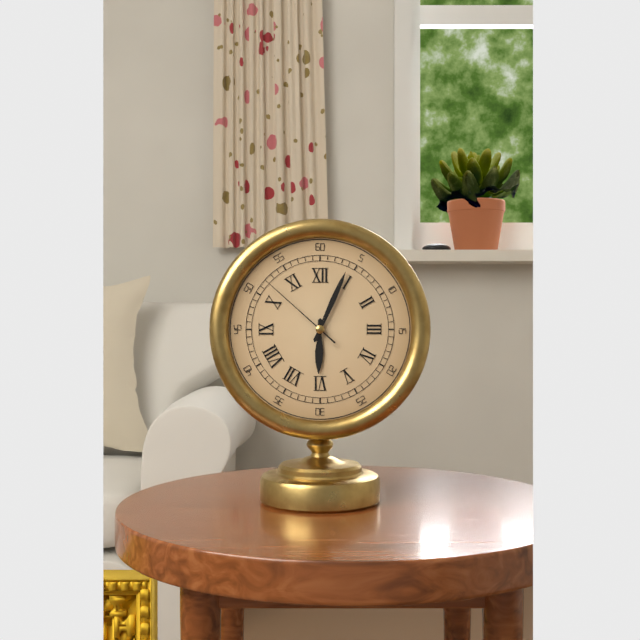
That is 6.04.52
